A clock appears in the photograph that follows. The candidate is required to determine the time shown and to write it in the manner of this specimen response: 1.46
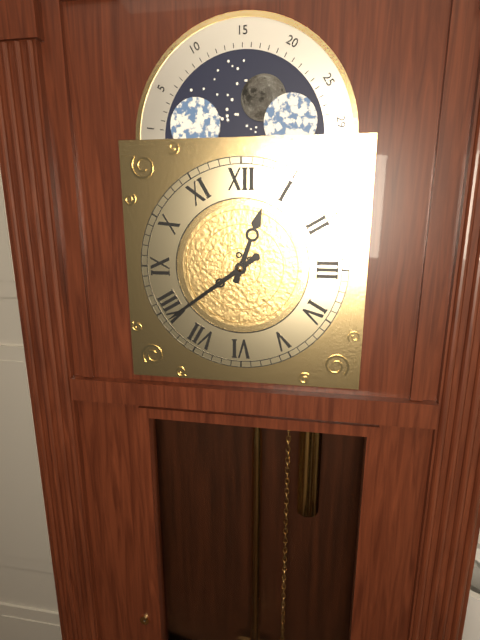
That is 12.39
